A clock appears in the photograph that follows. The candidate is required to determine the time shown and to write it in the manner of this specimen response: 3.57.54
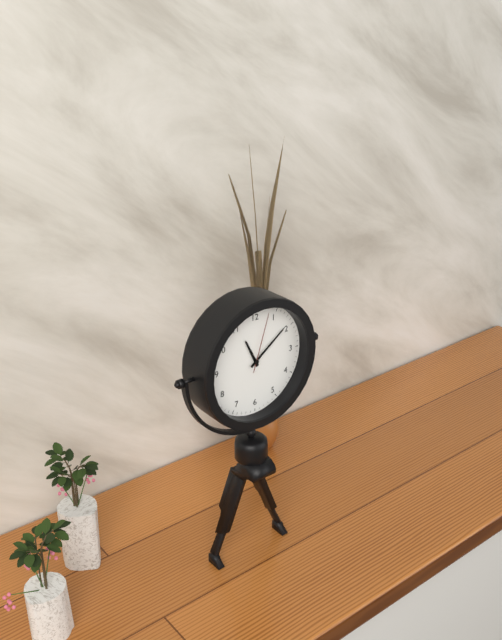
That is 11.09.03
